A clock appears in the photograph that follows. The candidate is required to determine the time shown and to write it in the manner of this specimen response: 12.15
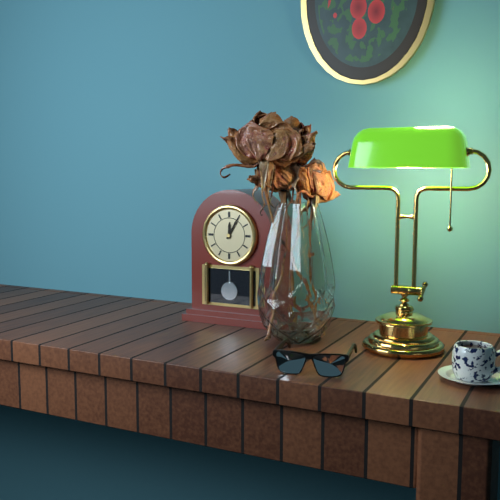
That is 12.05
